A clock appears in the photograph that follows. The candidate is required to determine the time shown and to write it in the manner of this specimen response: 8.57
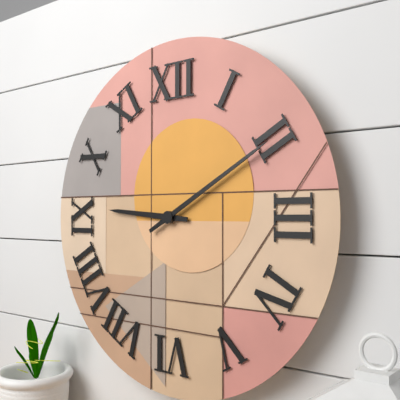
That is 9.10
